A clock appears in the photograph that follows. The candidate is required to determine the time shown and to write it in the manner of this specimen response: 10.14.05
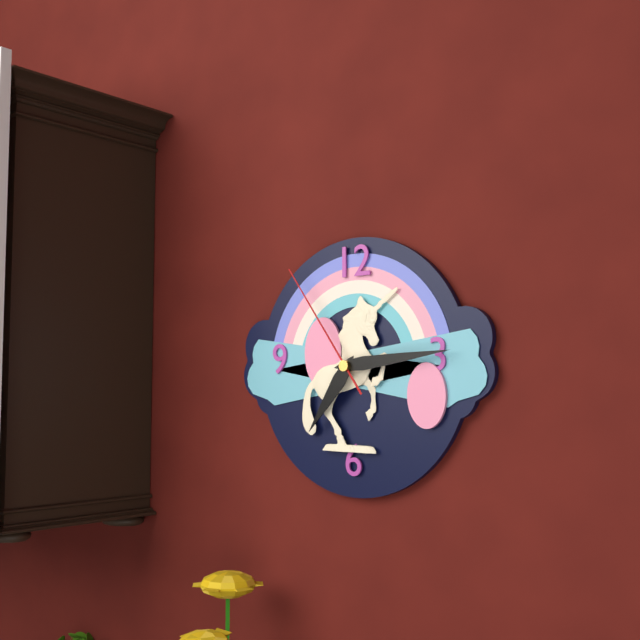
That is 7.14.54
